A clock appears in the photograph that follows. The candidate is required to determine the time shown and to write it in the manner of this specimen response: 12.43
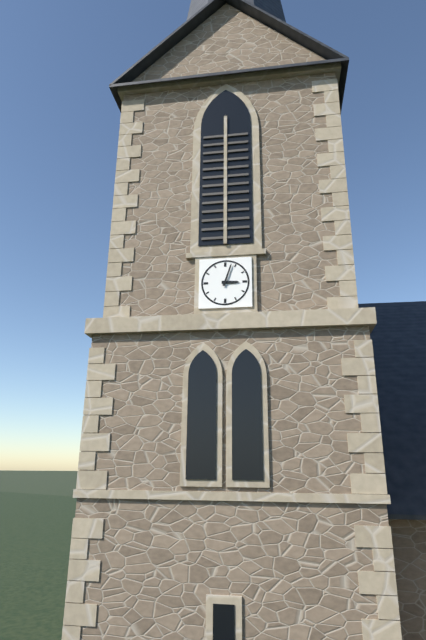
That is 3.03
